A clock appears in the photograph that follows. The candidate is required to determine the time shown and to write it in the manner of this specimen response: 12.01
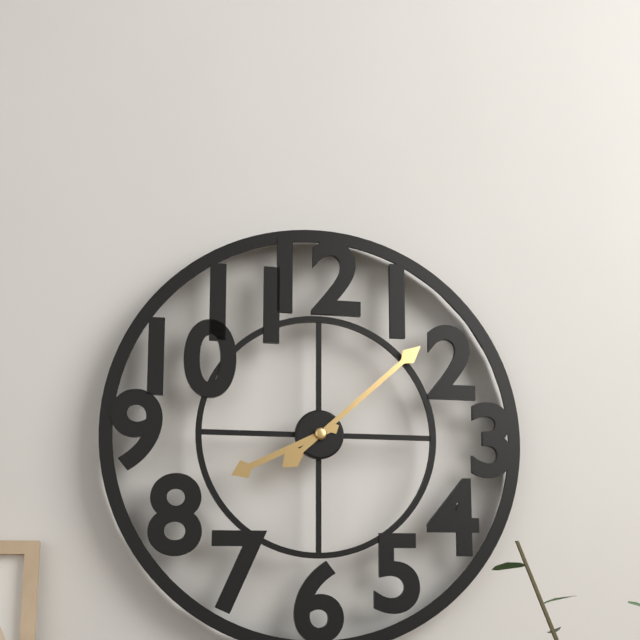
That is 8.08
